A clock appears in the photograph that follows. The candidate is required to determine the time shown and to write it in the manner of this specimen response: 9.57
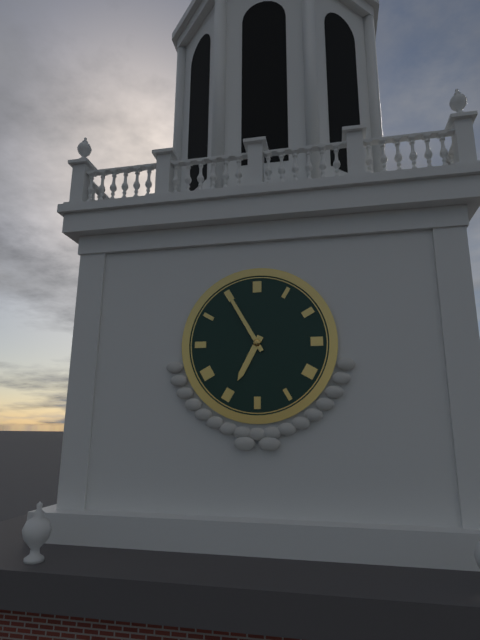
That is 6.55
